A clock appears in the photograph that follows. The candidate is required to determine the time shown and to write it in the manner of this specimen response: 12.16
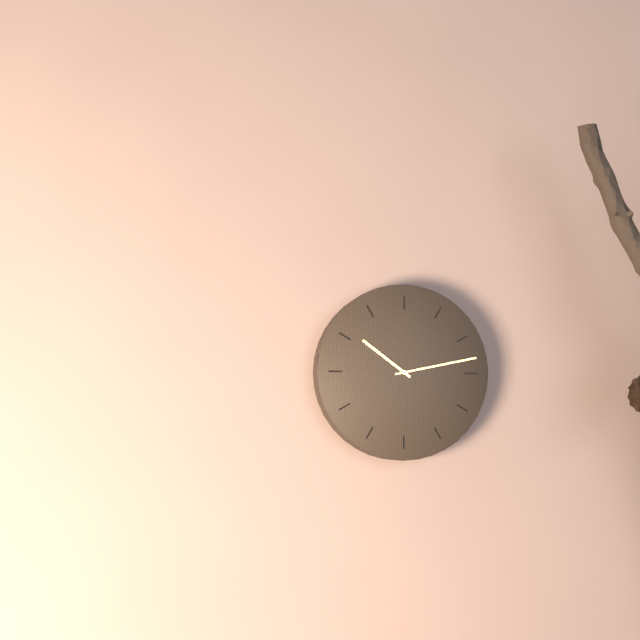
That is 10.13
